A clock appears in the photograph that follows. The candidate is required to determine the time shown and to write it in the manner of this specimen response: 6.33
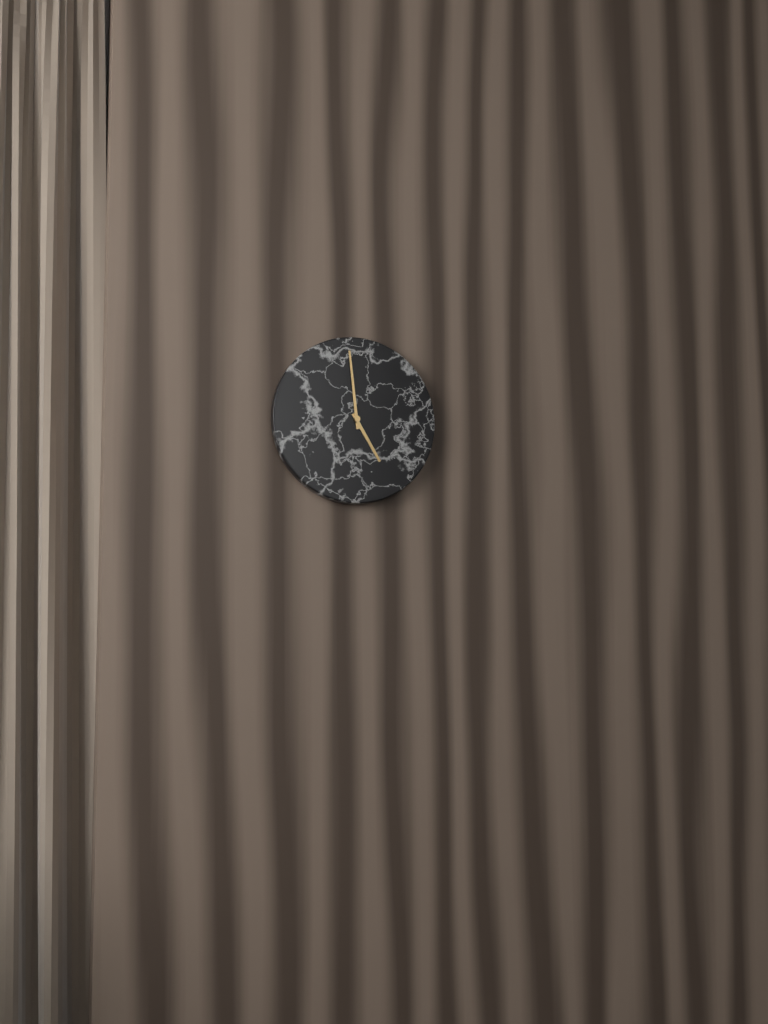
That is 4.59
